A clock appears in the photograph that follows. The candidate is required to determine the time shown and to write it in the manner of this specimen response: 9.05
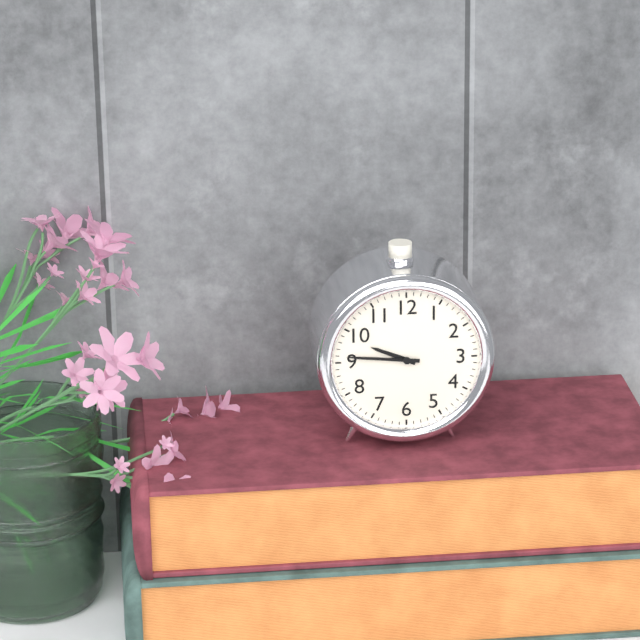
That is 9.46
